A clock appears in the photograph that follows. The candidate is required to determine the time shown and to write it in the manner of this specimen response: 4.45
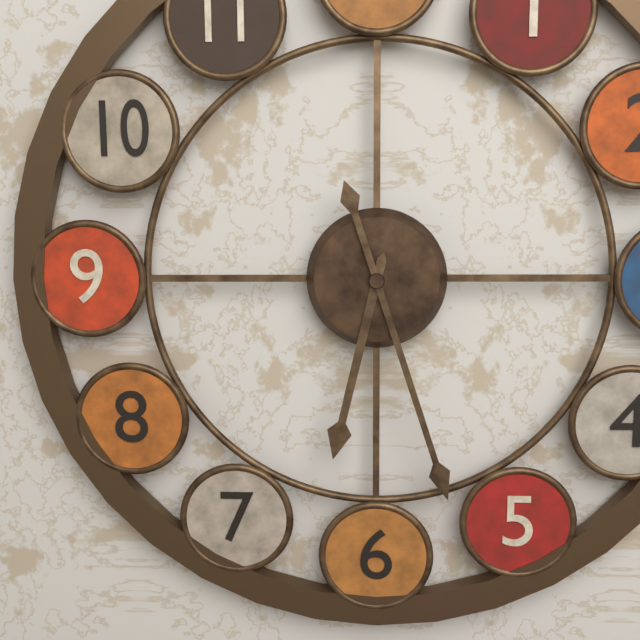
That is 6.27
